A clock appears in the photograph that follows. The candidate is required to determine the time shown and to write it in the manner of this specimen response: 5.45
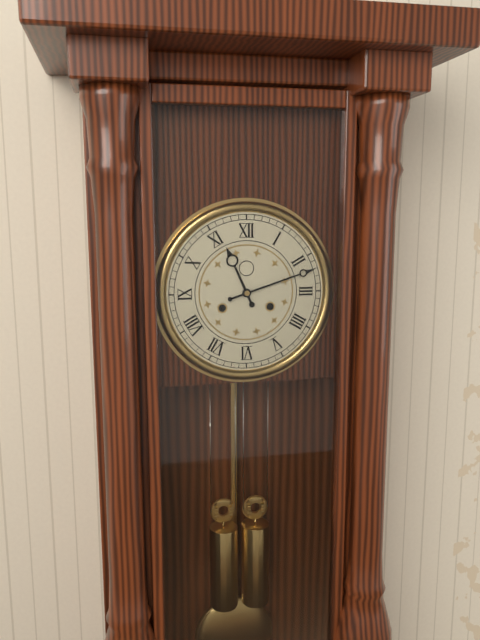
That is 11.12
